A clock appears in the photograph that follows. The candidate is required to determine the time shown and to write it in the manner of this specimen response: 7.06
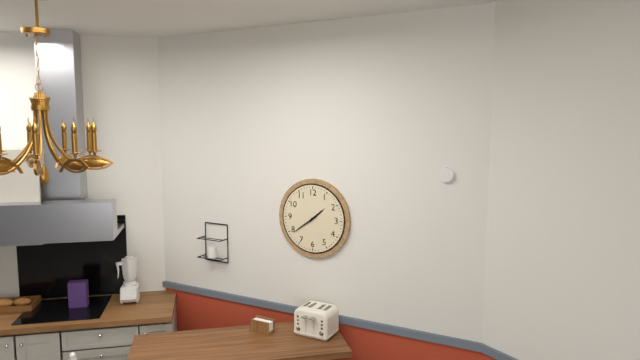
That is 1.39
